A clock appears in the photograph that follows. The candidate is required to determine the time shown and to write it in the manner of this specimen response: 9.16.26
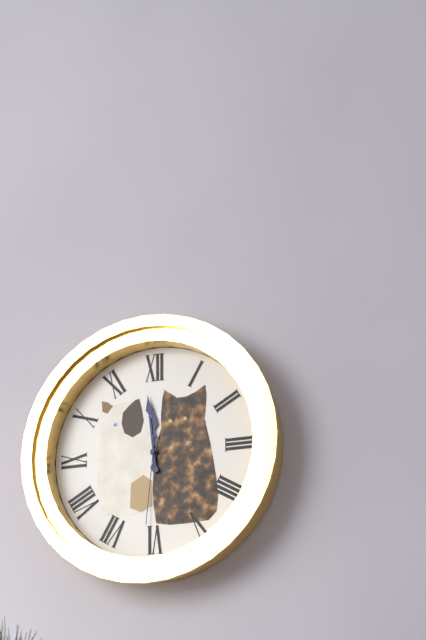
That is 11.59.31
